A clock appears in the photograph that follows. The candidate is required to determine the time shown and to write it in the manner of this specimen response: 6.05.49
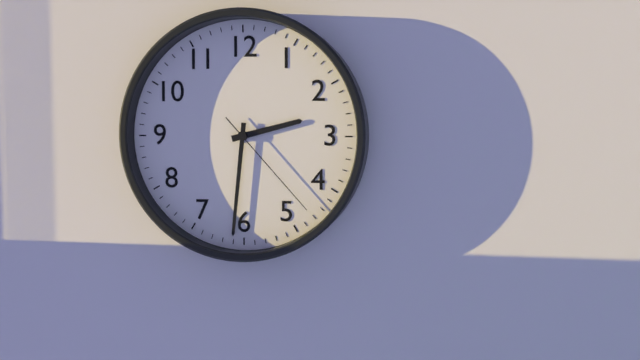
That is 2.31.23
